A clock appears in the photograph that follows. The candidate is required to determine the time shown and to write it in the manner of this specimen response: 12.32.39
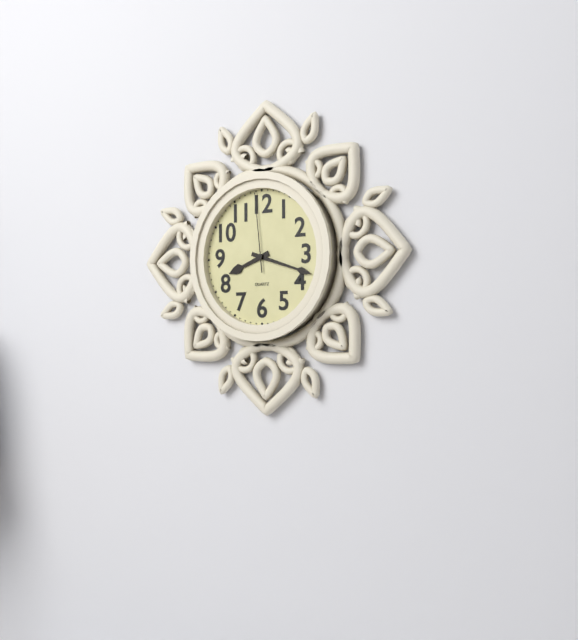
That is 8.18.59
